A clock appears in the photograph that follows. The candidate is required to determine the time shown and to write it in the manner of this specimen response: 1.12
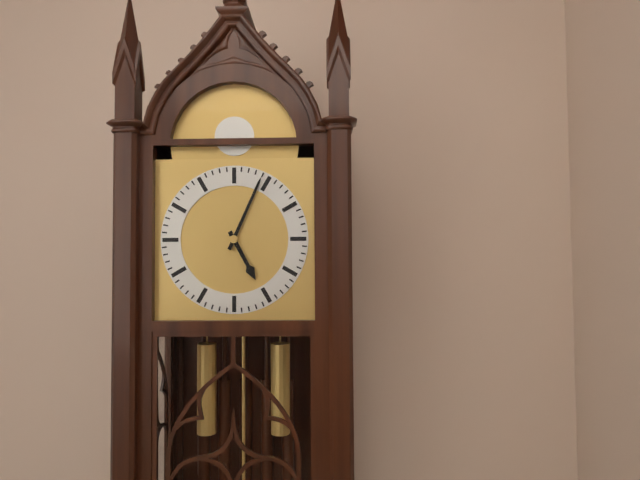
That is 5.04
